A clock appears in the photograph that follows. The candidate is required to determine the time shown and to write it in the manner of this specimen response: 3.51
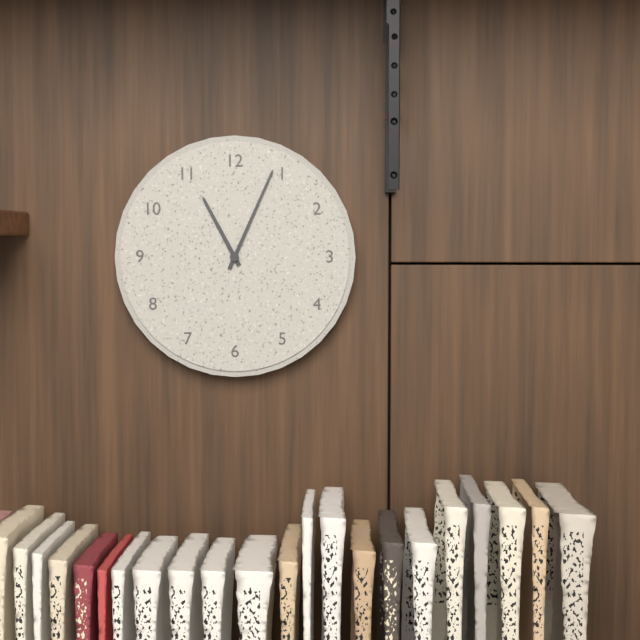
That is 11.04
